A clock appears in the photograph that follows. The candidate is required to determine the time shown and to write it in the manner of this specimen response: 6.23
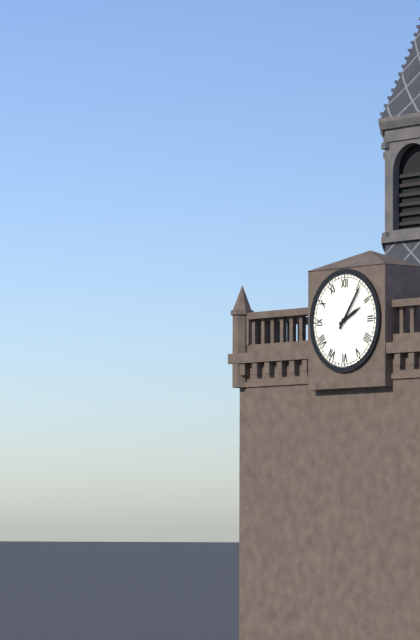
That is 2.06
